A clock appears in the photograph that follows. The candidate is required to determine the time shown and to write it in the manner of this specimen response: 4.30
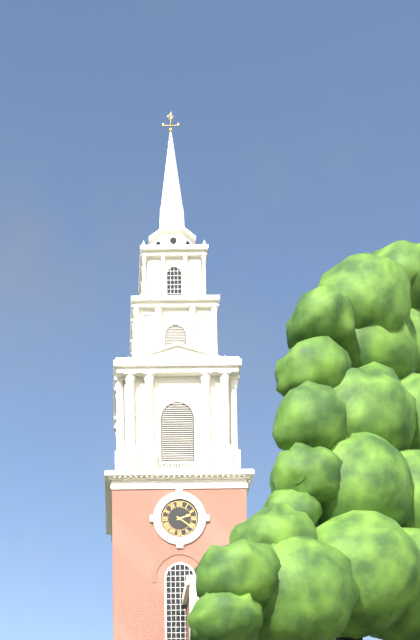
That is 2.21
